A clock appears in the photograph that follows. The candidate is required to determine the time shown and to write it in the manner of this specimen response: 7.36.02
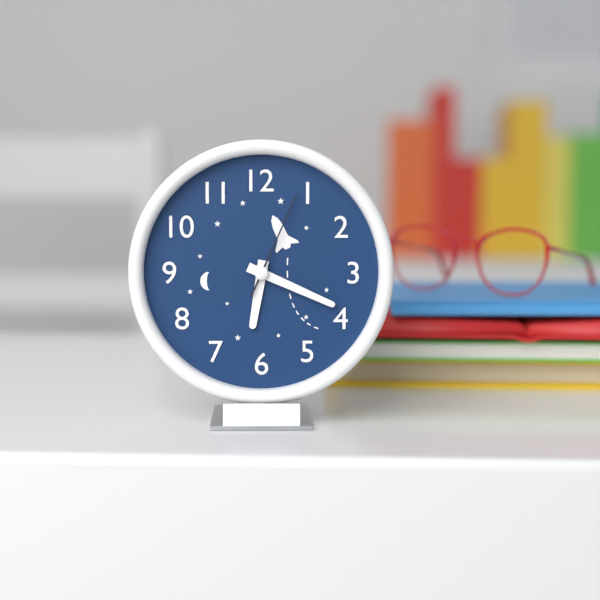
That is 6.19.04
